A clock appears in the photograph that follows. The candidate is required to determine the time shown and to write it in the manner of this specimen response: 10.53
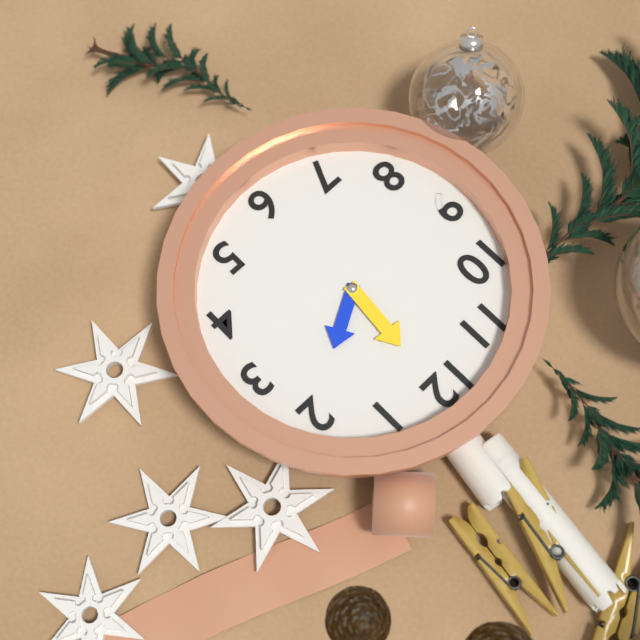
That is 2.01
